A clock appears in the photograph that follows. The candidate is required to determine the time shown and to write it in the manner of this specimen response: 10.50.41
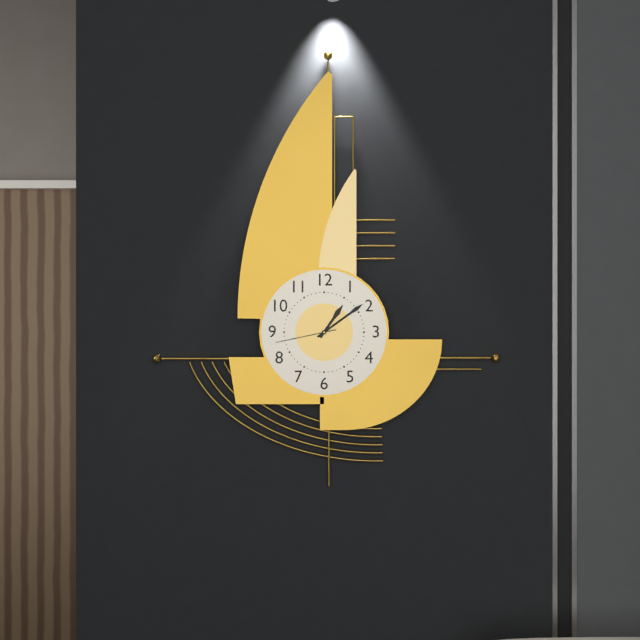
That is 1.09.43
